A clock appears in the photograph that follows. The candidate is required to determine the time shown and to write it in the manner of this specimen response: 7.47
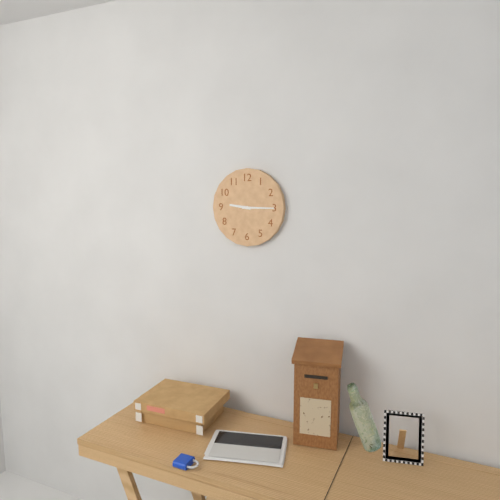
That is 9.15
